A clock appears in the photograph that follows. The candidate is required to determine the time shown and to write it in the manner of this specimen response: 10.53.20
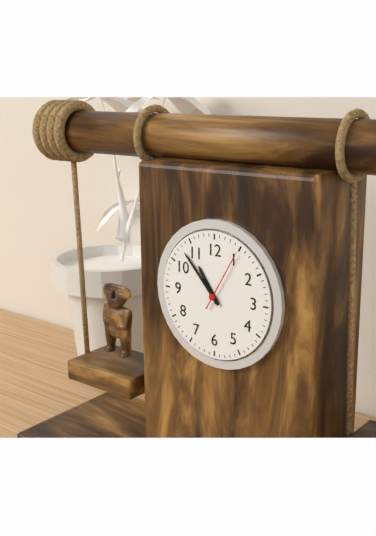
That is 10.53.05
